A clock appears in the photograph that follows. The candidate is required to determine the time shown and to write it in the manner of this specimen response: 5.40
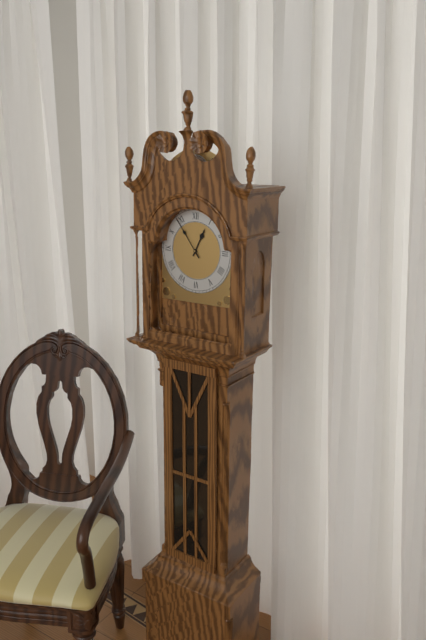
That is 12.54
